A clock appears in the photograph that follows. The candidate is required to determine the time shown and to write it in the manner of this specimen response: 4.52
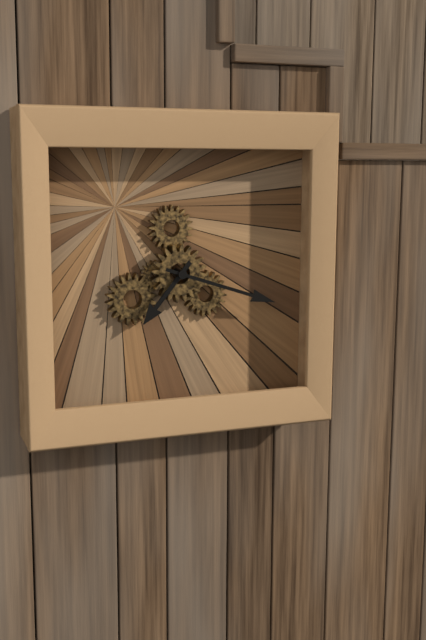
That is 7.18
